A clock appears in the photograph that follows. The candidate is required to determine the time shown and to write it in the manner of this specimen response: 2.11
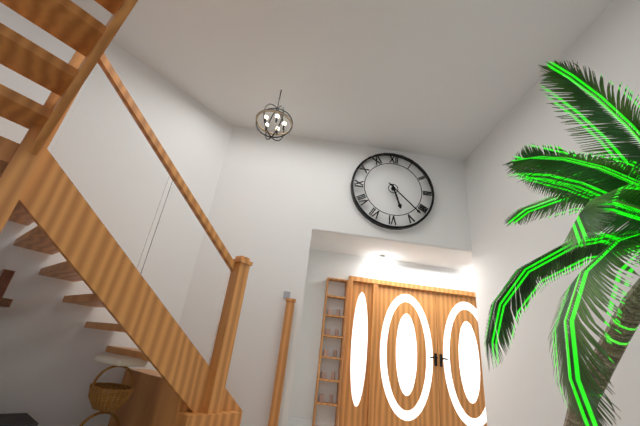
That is 5.22
